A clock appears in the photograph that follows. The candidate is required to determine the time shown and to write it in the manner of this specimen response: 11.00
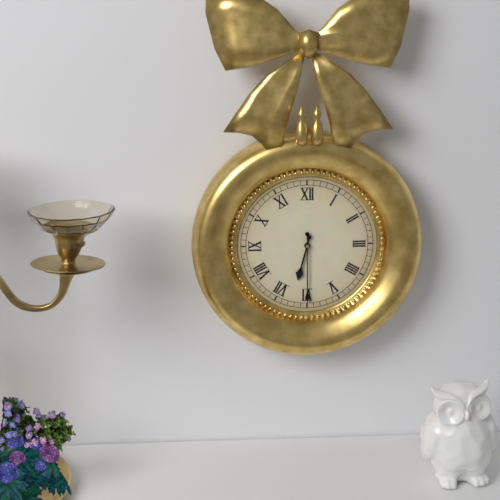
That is 6.30
